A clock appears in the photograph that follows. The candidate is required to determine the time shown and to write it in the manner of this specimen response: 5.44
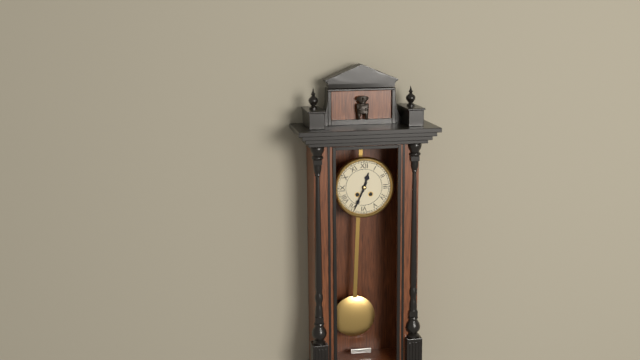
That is 12.34
